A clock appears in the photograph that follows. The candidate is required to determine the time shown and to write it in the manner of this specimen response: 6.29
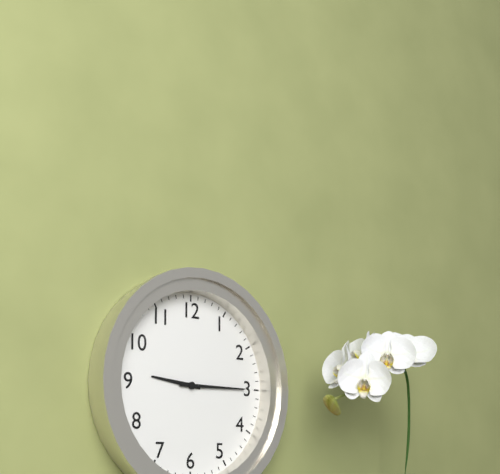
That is 9.15
